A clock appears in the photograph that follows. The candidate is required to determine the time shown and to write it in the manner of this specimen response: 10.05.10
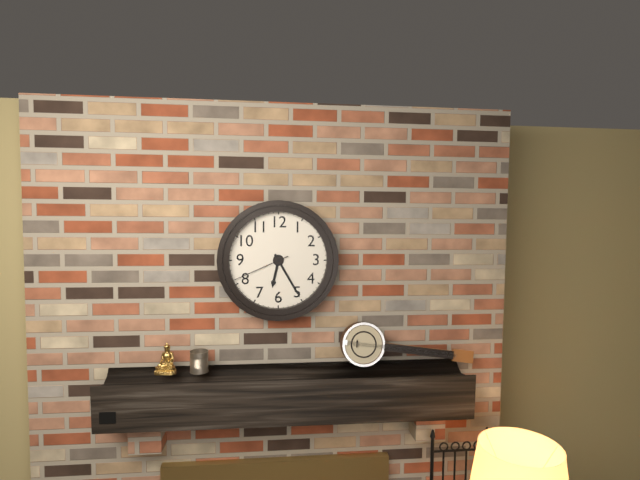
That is 6.25.41
